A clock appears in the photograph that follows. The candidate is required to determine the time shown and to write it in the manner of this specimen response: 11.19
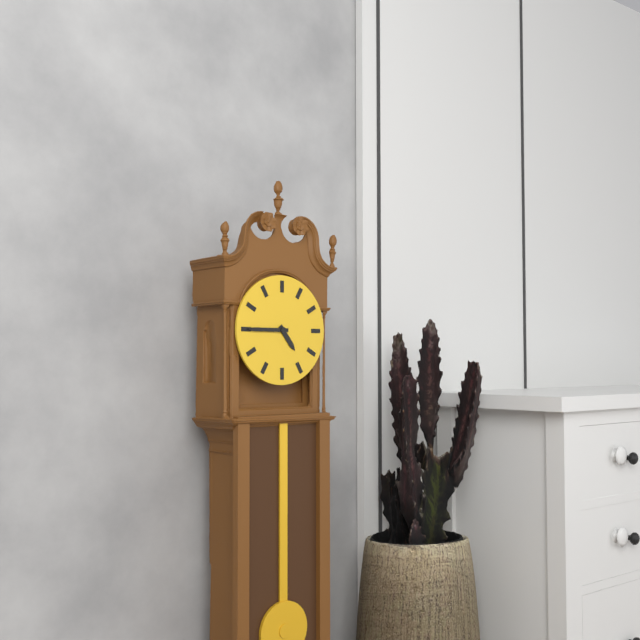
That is 4.45
